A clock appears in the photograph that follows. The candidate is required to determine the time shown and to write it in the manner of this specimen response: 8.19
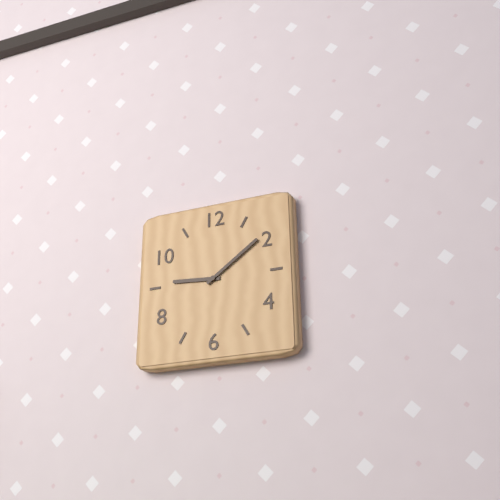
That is 9.09
